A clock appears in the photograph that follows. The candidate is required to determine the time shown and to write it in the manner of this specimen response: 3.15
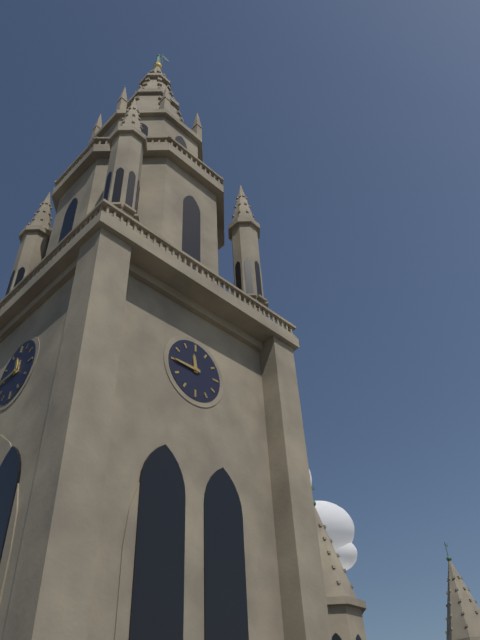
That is 11.45
